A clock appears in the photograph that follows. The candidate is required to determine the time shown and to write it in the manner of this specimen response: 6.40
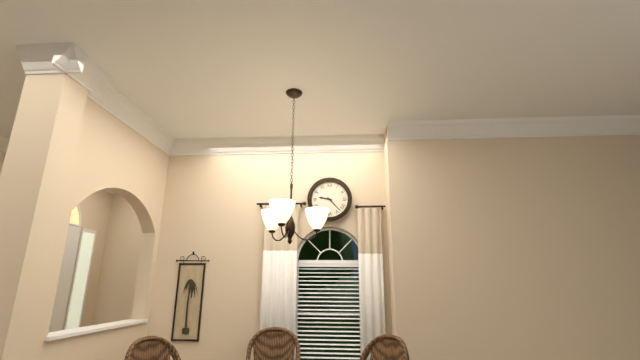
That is 9.23
